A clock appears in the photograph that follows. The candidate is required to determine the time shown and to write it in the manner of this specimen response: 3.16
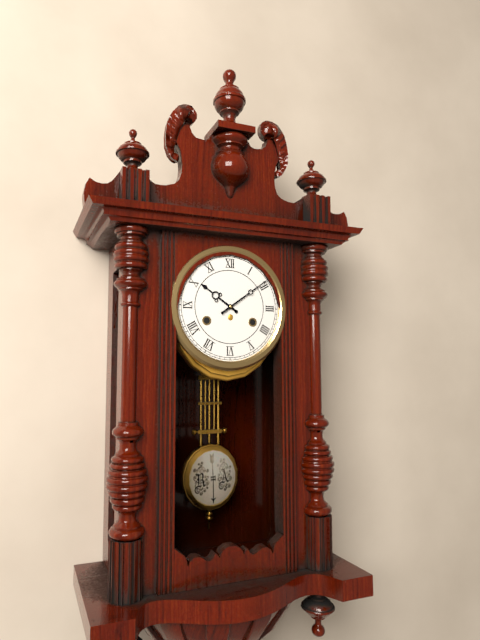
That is 10.09
